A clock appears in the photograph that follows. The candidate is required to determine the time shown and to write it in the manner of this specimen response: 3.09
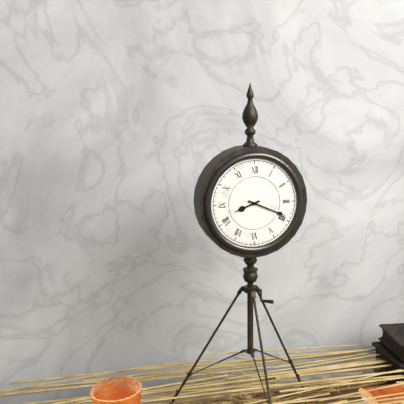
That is 8.19
